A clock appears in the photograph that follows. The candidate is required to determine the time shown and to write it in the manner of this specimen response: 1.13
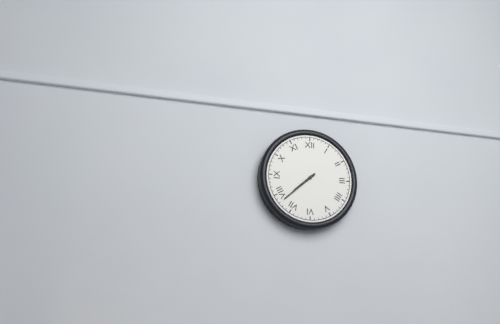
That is 7.38
